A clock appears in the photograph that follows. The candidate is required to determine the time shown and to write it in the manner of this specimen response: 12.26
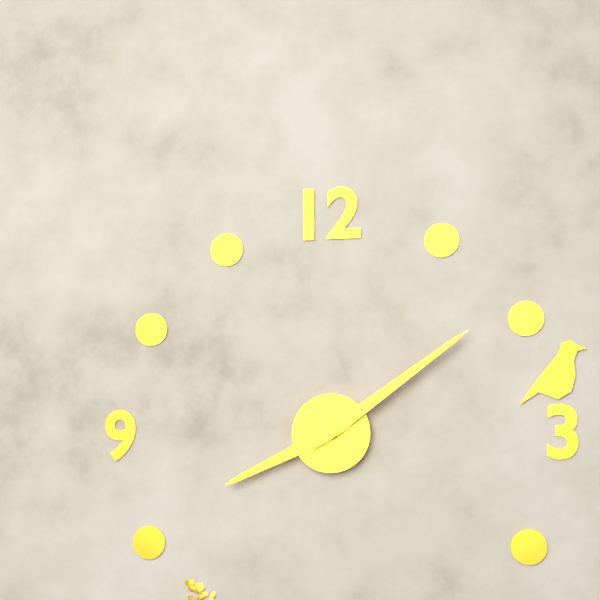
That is 8.09
